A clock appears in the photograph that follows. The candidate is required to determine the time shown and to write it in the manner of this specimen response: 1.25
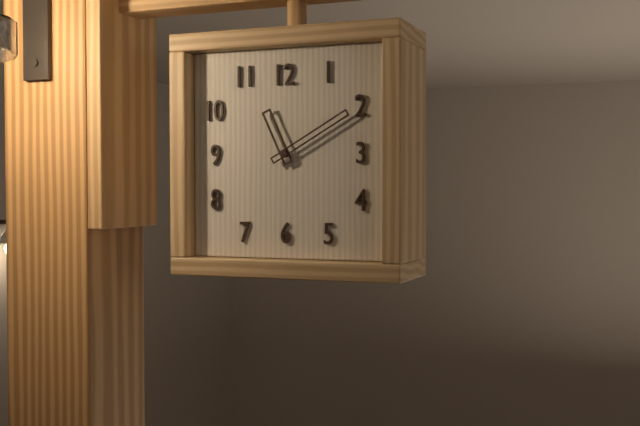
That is 11.10
